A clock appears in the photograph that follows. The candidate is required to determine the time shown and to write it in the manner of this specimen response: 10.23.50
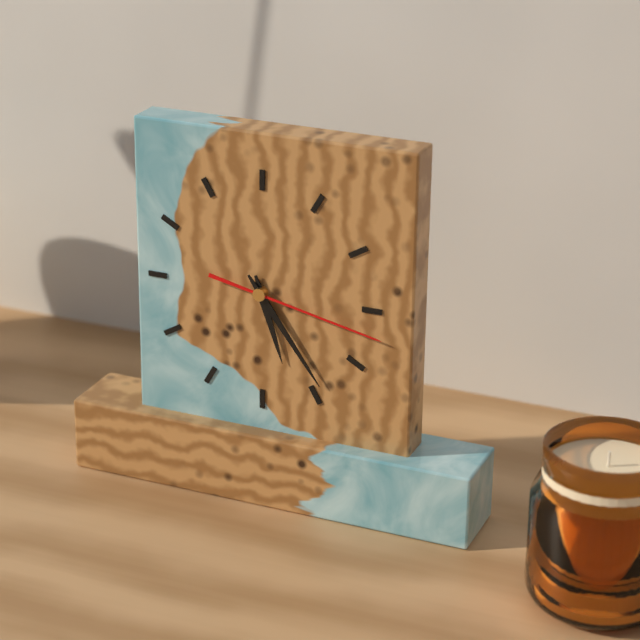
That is 5.24.17
